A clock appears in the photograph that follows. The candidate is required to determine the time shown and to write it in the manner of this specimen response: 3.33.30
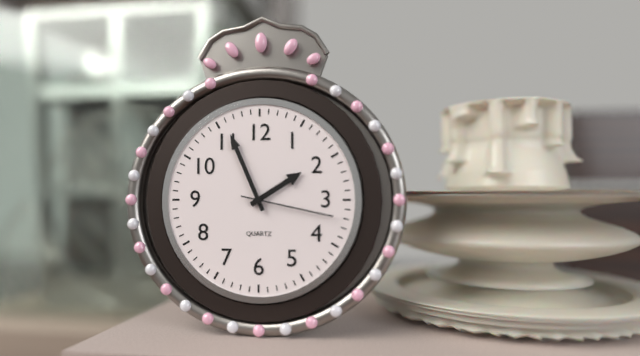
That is 1.56.17
